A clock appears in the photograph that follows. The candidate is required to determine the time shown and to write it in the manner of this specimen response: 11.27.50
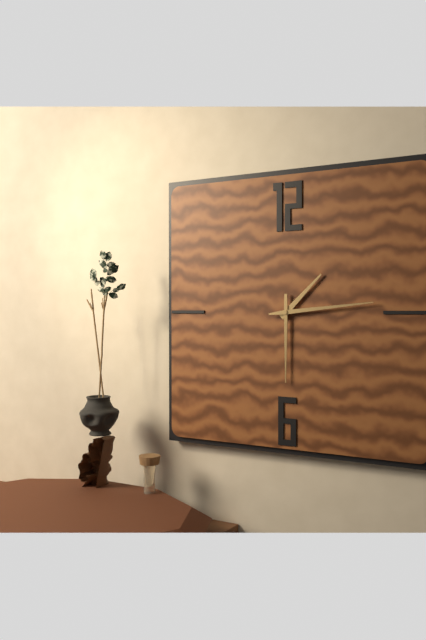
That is 1.30.14
